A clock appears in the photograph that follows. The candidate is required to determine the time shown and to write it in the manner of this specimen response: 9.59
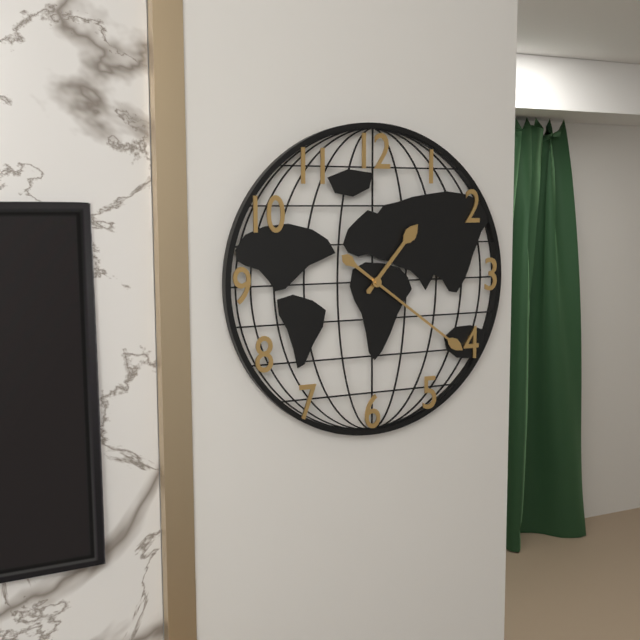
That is 1.21
